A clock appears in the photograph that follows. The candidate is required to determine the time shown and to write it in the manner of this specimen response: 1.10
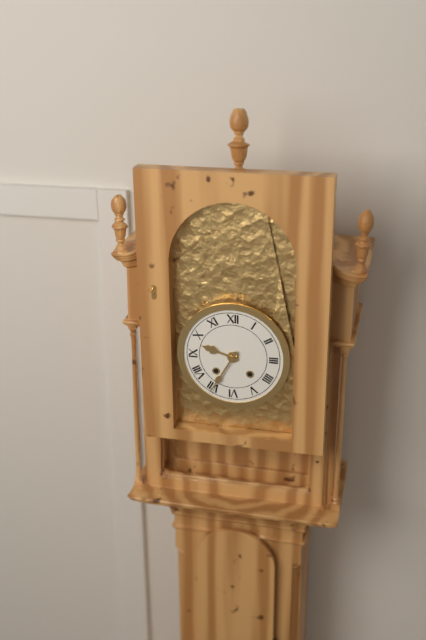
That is 9.35
